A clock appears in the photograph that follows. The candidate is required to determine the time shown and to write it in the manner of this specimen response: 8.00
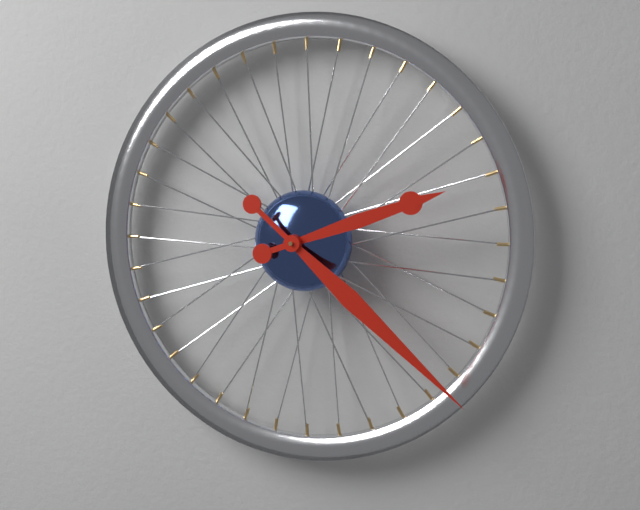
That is 2.22
